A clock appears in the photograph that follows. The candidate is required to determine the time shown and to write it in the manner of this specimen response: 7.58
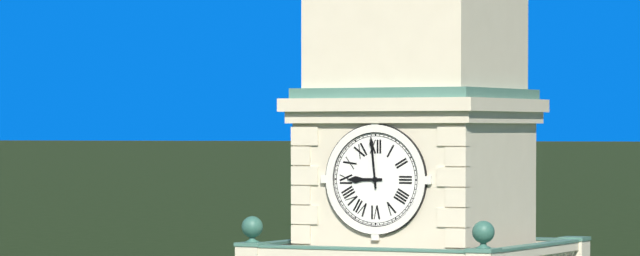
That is 8.59
